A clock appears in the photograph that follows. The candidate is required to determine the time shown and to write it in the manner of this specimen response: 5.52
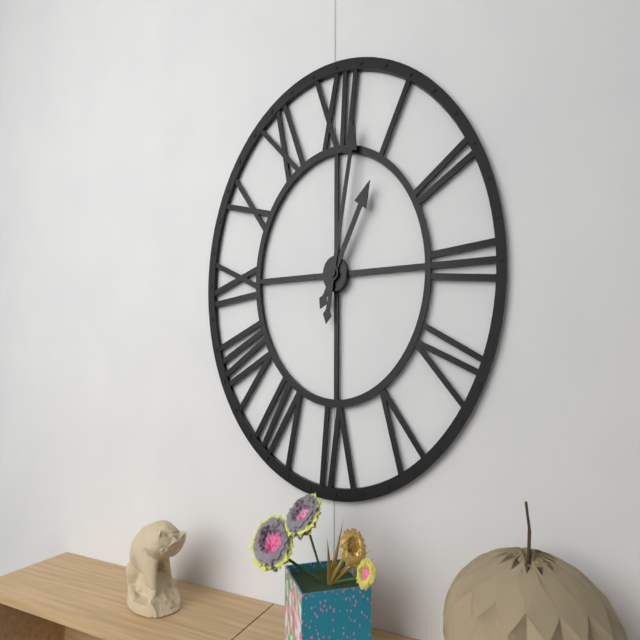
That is 1.02
